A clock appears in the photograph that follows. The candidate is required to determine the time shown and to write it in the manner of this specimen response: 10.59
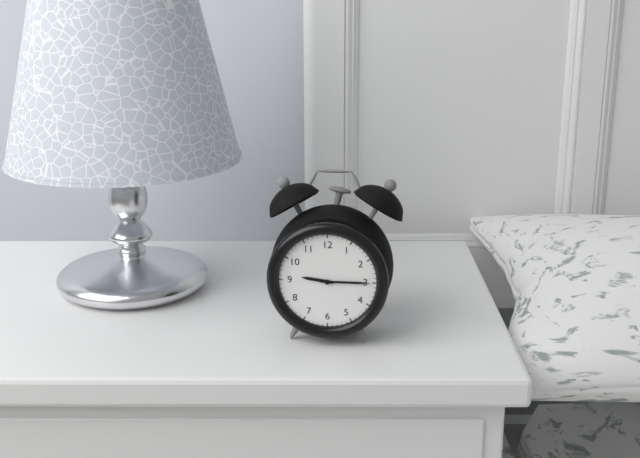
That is 9.15
